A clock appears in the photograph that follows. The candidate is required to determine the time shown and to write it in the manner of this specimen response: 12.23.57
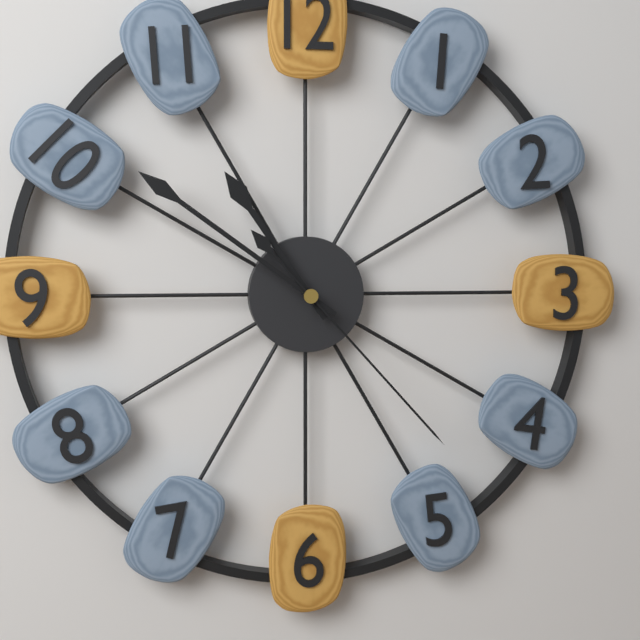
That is 10.51.23
